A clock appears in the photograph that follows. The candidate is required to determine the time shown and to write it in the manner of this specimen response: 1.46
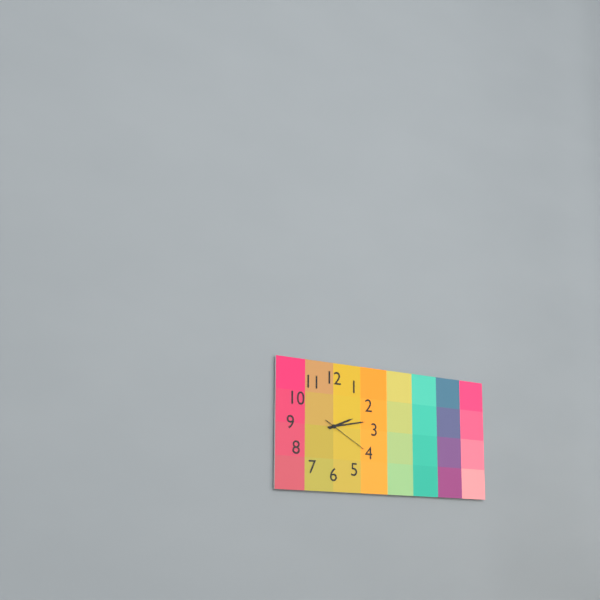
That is 2.13
